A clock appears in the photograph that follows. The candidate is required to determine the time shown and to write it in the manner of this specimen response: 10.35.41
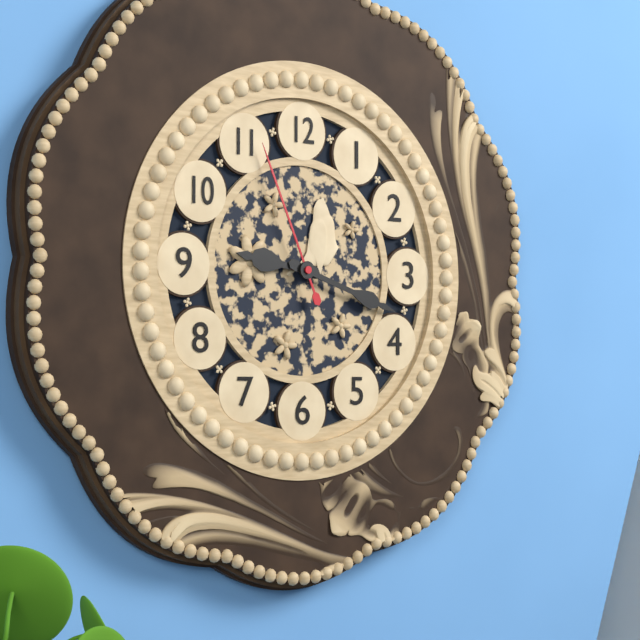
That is 9.18.56
